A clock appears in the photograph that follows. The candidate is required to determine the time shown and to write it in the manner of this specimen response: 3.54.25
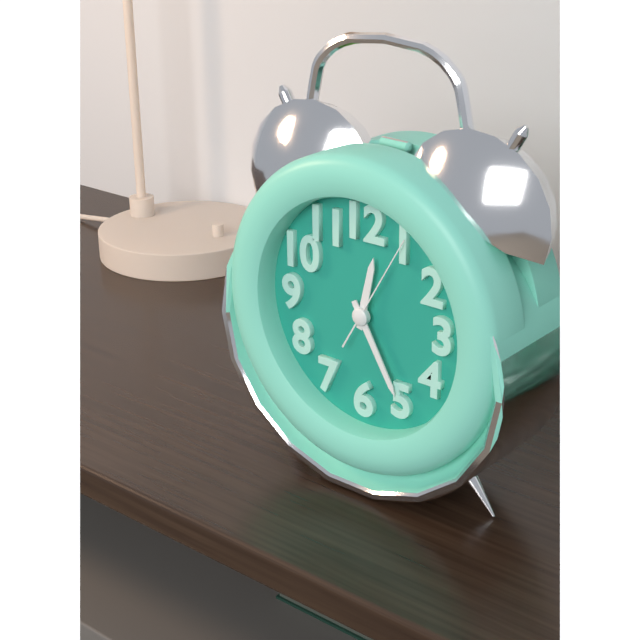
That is 12.25.05
